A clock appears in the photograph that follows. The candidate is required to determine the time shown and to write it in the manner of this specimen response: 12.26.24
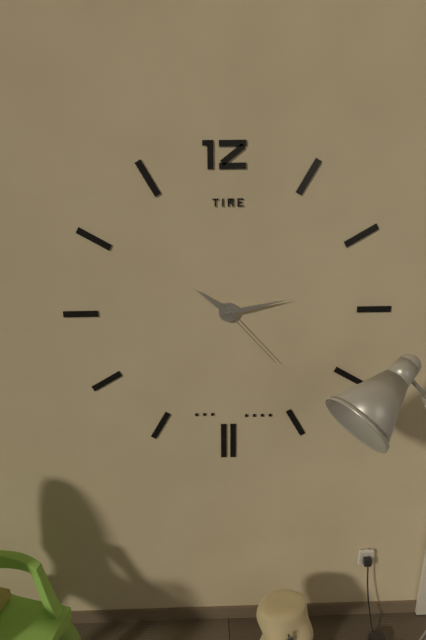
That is 10.13.23
